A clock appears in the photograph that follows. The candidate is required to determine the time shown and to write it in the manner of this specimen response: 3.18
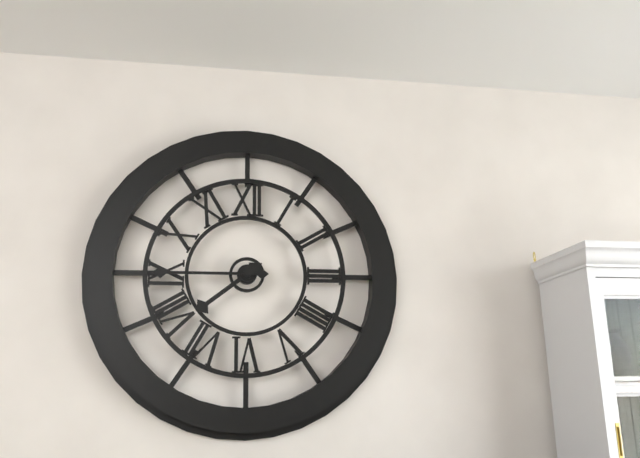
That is 7.45
